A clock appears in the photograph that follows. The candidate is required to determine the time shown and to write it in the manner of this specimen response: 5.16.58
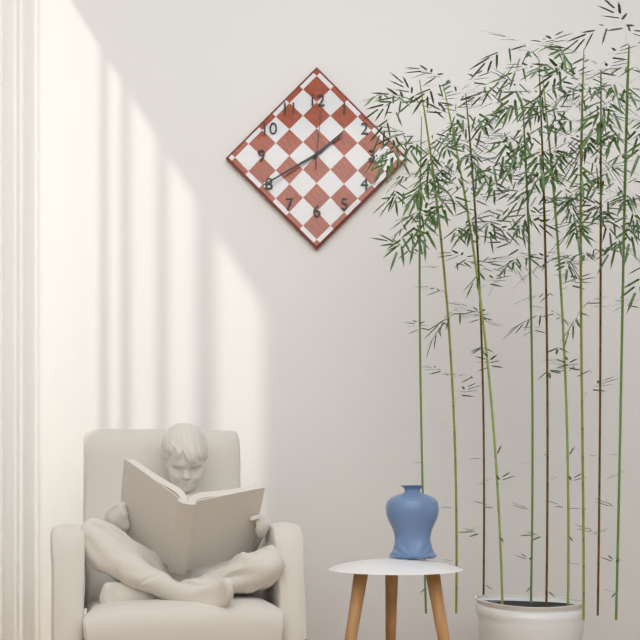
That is 1.40.01
